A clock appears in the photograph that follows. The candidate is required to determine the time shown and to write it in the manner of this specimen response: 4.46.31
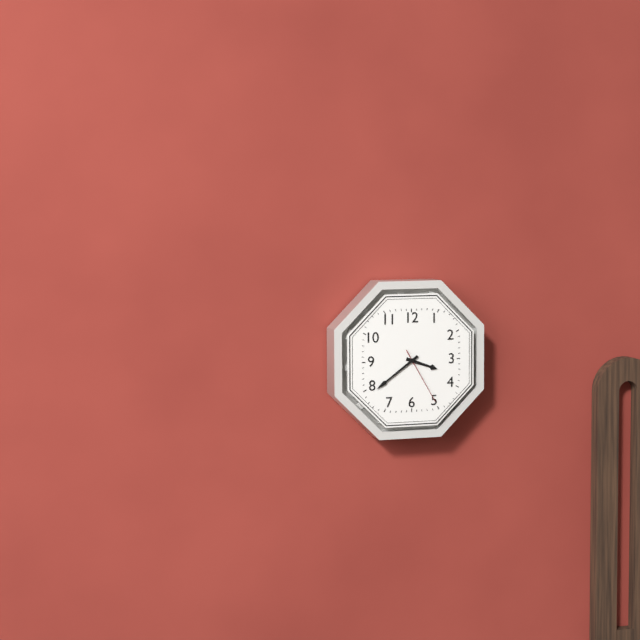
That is 3.39.25
